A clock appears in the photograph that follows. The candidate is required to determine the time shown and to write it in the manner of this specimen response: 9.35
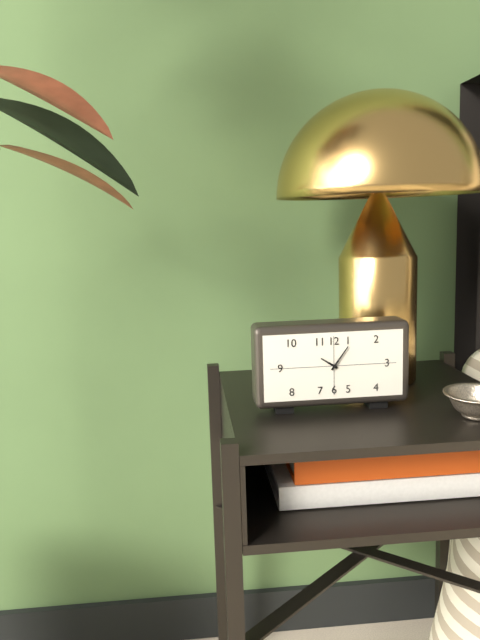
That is 10.06
